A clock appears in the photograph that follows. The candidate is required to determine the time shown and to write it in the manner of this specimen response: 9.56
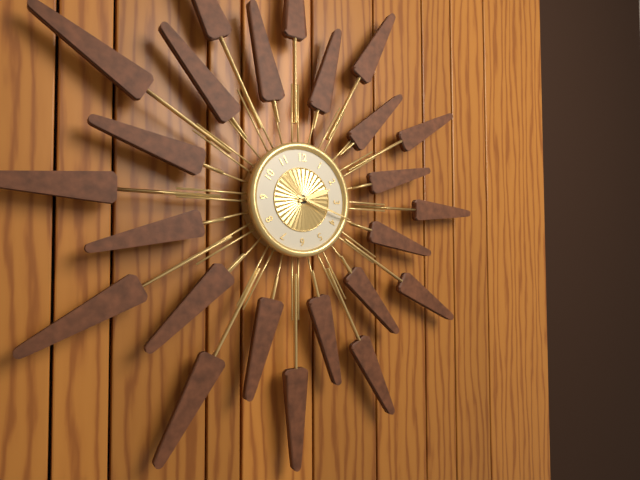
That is 2.18
